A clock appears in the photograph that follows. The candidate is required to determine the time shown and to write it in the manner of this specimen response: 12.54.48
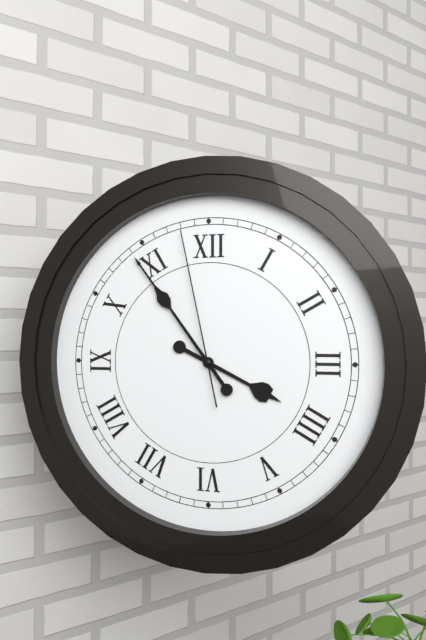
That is 3.54.58
